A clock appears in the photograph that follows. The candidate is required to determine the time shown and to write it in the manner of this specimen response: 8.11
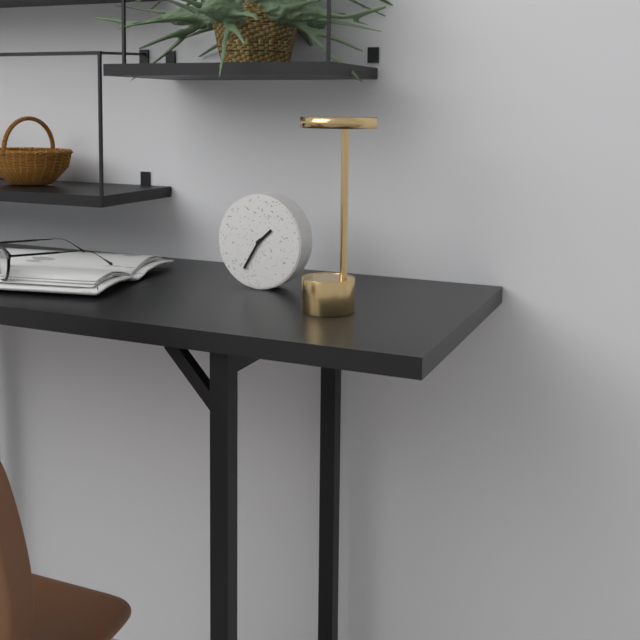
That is 1.35
